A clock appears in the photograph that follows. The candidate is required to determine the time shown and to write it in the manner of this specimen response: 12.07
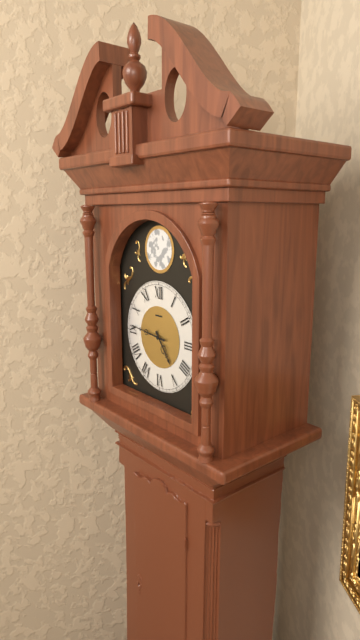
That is 4.46
